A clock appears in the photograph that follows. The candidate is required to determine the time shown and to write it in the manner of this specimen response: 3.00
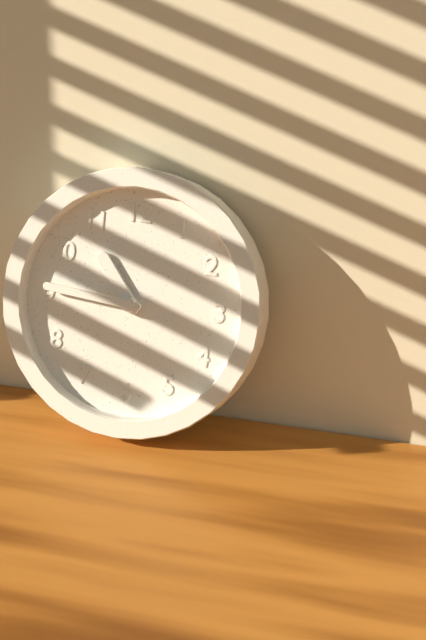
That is 10.46
